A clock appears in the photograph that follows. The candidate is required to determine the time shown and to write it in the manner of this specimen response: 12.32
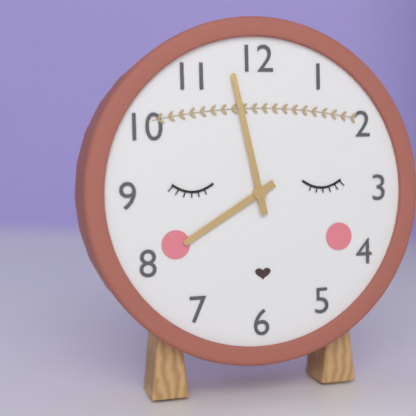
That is 7.58
